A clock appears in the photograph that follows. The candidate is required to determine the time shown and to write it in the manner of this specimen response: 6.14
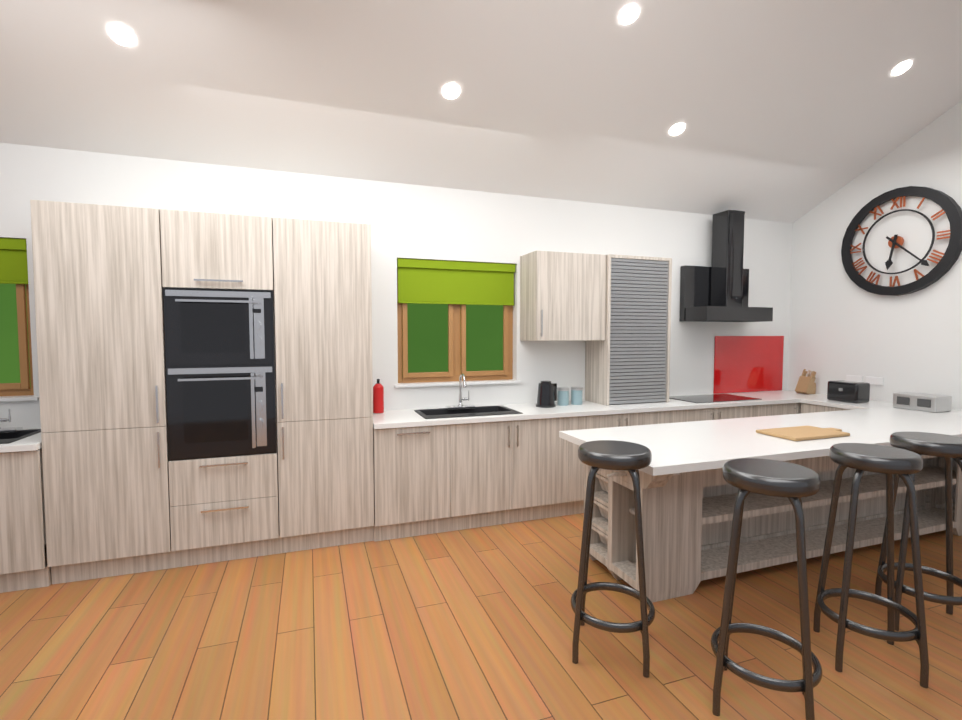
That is 6.22
